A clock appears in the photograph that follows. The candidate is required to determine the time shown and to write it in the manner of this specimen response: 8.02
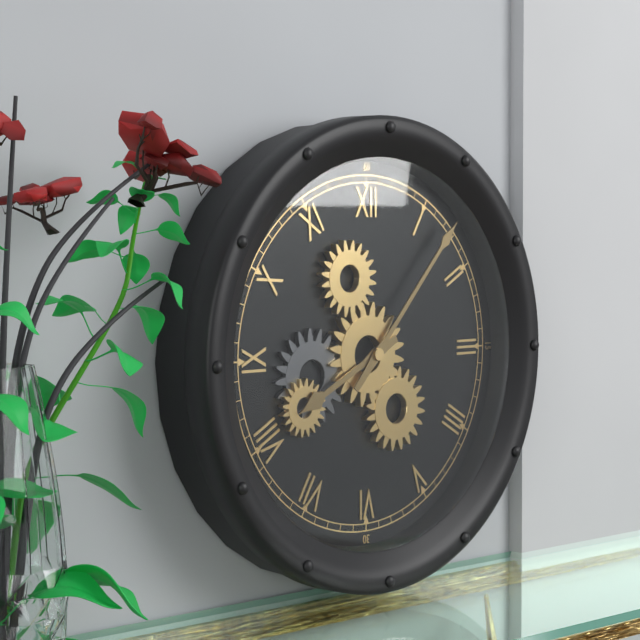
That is 8.07
